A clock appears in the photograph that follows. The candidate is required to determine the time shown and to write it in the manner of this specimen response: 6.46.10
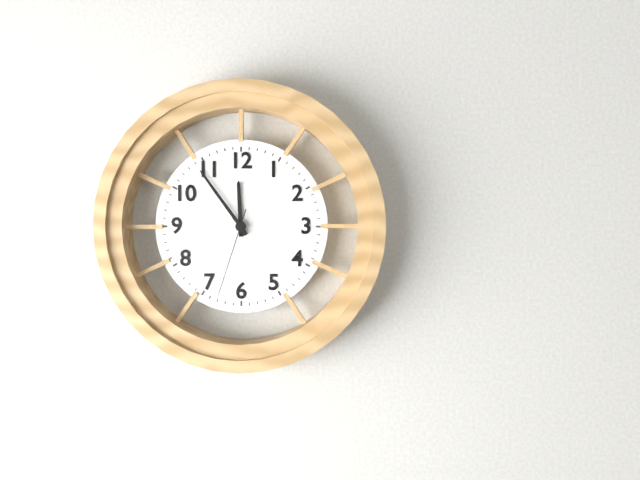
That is 11.54.33
